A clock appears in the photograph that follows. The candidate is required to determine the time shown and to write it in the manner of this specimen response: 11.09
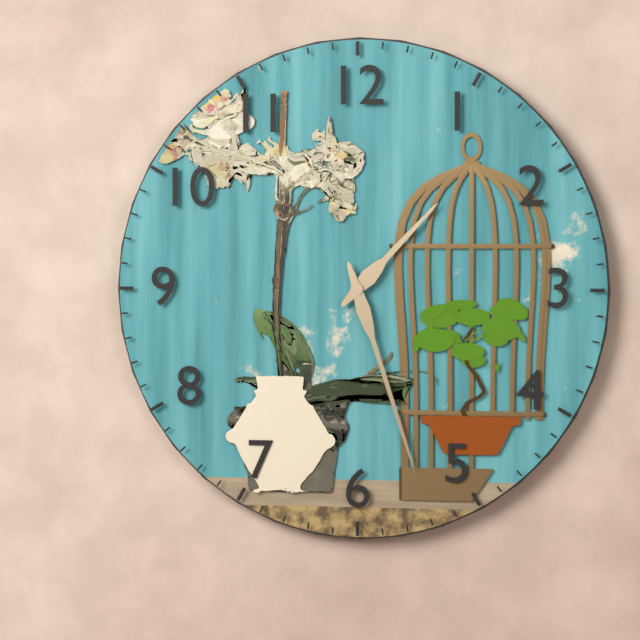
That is 1.27
